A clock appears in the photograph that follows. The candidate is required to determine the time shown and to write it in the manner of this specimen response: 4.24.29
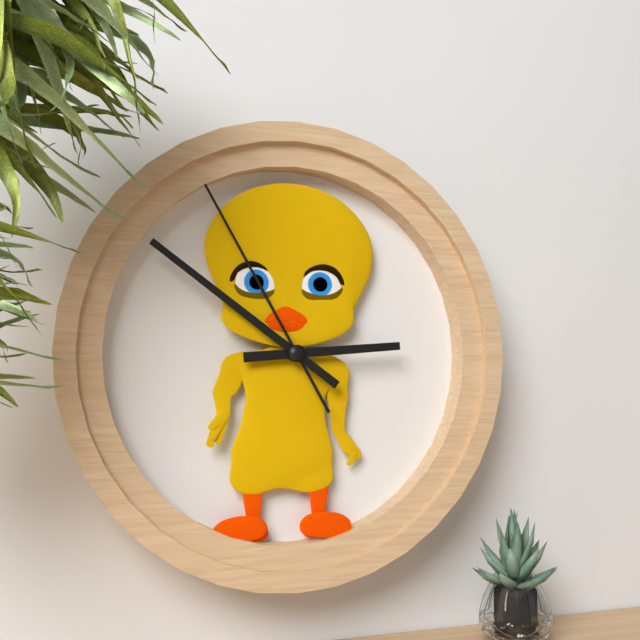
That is 2.51.55
